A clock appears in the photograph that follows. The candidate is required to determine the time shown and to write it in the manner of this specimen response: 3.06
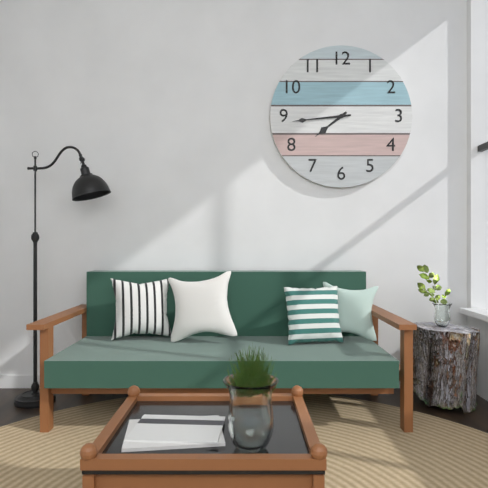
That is 7.44
